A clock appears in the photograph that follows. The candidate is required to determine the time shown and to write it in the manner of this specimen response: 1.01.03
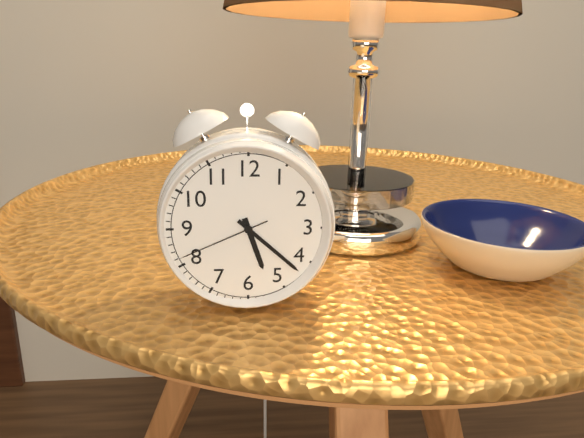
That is 5.22.41
